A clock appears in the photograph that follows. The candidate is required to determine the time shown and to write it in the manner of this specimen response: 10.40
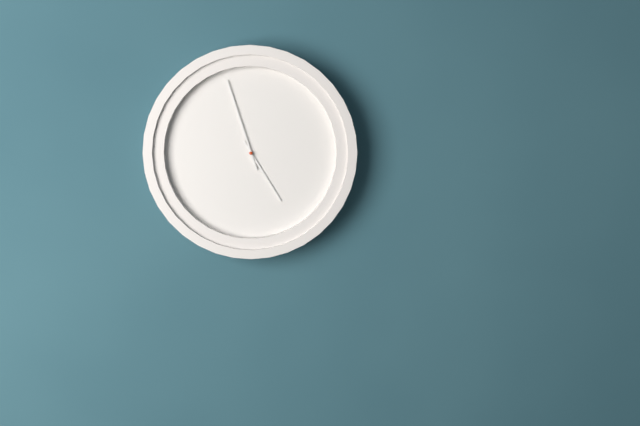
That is 4.57
